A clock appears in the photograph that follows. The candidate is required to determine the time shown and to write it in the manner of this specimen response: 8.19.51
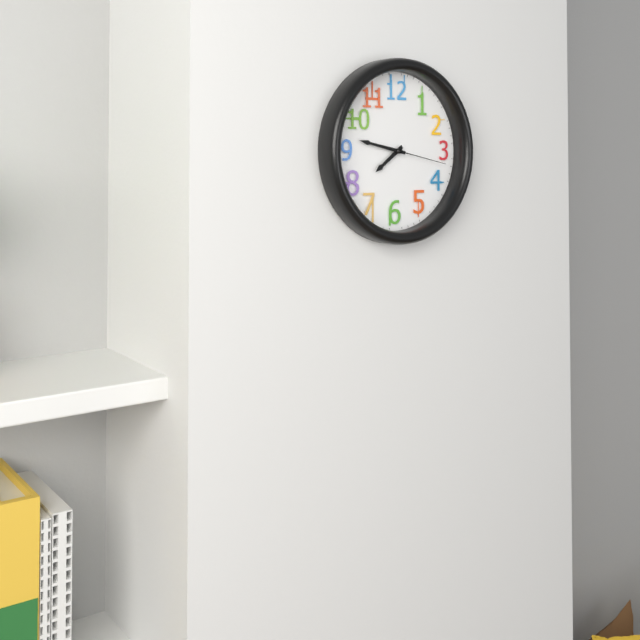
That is 7.47.17
